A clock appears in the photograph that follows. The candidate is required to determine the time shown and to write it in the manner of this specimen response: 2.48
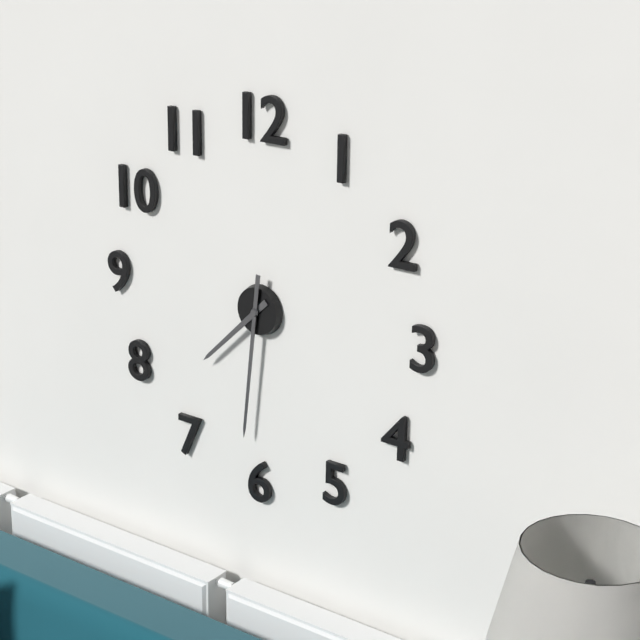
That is 7.31
